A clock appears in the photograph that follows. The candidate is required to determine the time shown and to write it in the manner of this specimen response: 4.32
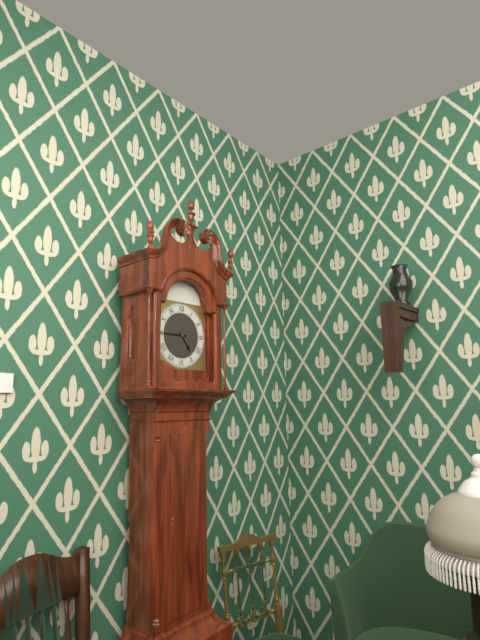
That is 4.45
